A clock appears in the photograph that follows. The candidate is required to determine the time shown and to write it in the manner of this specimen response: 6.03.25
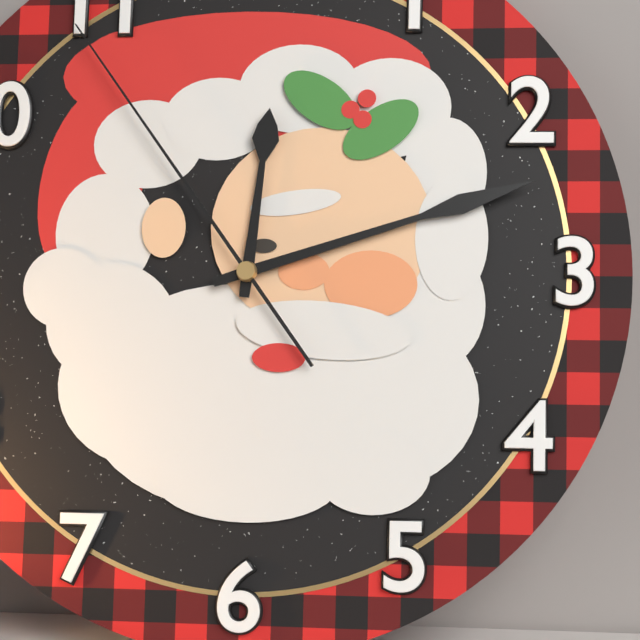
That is 12.12.54
